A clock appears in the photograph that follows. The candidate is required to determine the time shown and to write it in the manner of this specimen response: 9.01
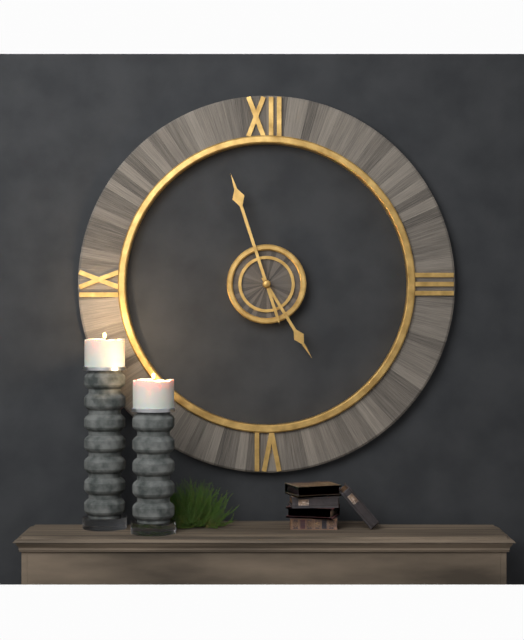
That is 4.57
